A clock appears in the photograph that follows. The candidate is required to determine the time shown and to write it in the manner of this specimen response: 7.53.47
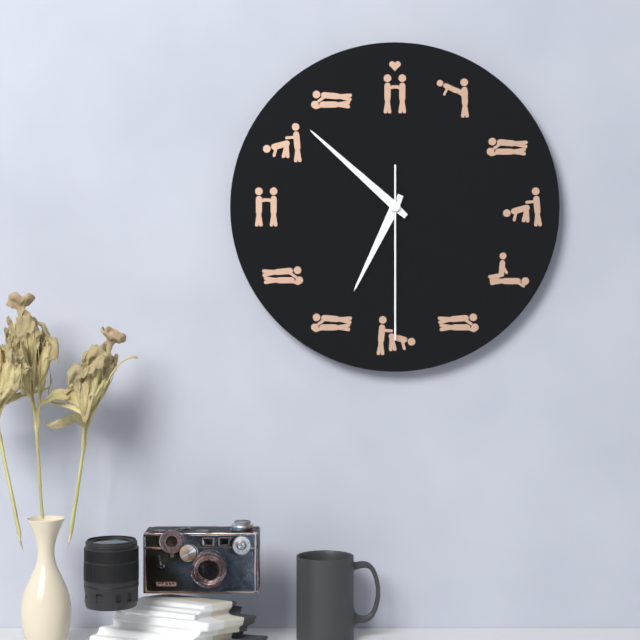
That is 6.52.30
